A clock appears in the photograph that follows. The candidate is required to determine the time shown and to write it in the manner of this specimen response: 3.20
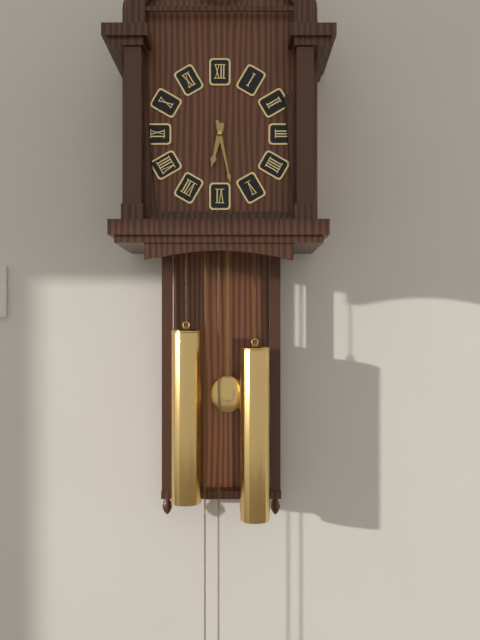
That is 6.28
